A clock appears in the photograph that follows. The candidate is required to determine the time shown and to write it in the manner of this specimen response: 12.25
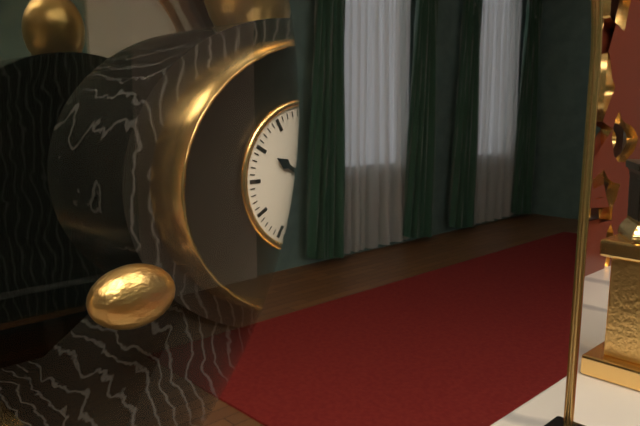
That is 10.02
